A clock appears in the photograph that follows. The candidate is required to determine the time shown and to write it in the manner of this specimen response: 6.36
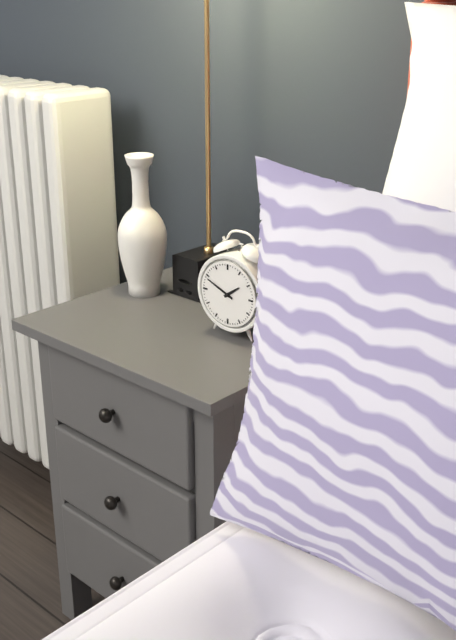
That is 1.49
